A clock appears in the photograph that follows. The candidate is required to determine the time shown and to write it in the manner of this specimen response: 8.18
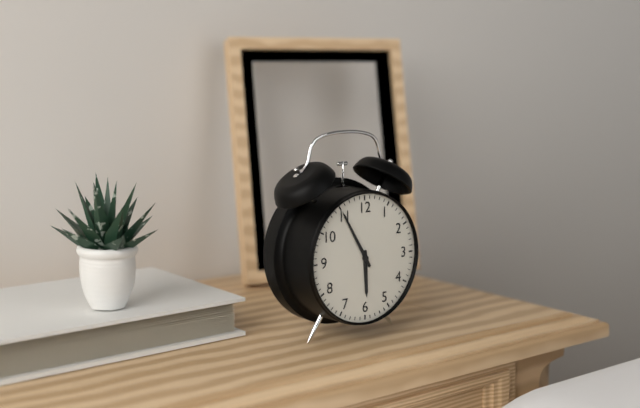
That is 5.55
